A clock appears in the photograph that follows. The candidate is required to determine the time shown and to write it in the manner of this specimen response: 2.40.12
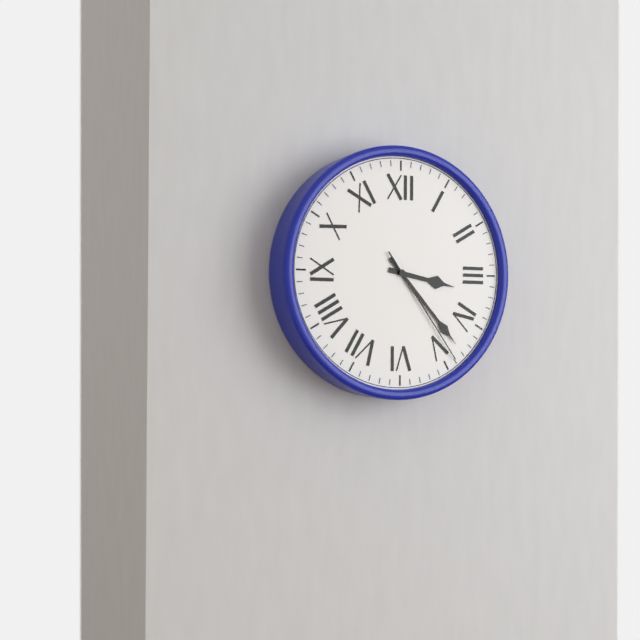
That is 3.23.24
